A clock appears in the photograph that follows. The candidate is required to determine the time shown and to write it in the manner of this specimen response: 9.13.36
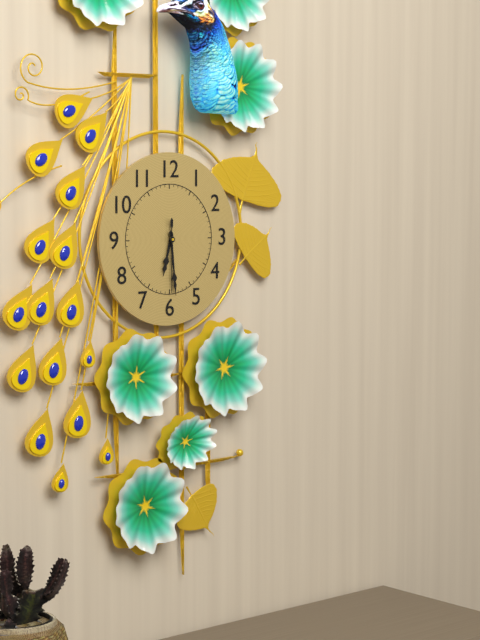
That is 6.29.30
